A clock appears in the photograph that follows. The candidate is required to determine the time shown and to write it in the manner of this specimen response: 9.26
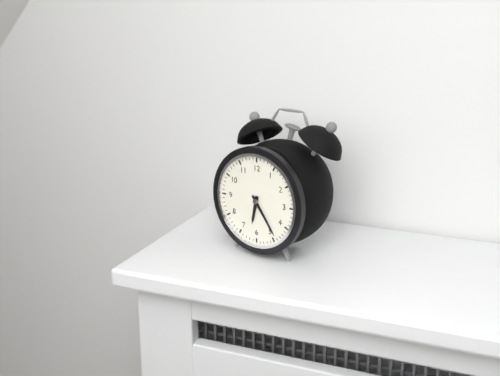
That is 6.24
